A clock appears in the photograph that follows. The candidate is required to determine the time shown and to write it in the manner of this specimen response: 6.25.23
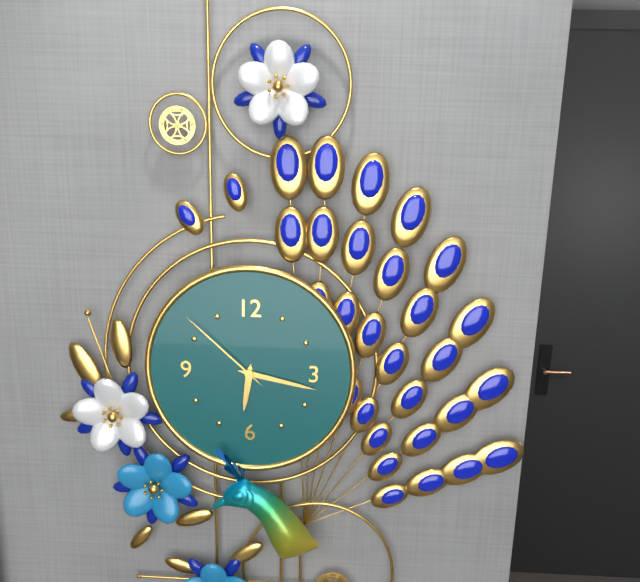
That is 6.17.52
